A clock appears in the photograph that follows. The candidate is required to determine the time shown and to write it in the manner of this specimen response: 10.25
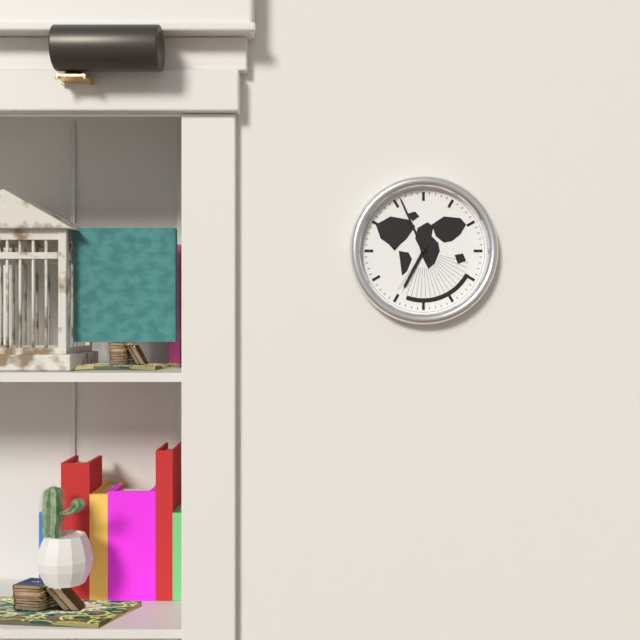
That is 6.56
